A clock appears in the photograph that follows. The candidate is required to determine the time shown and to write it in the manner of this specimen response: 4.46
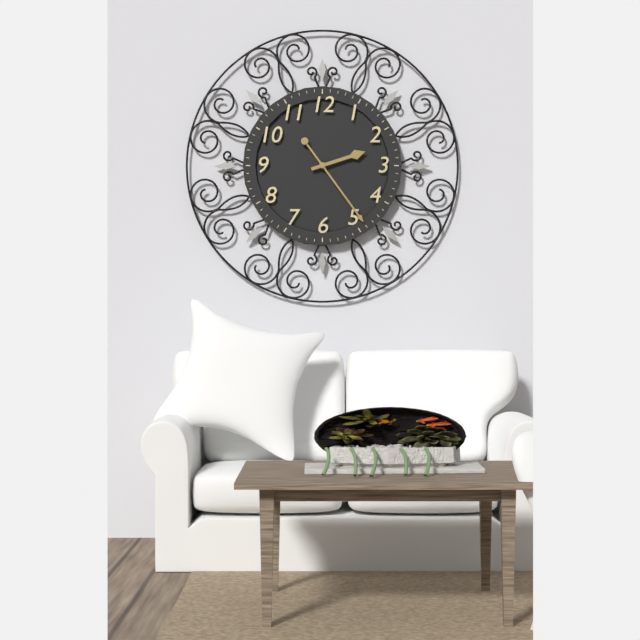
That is 2.24
